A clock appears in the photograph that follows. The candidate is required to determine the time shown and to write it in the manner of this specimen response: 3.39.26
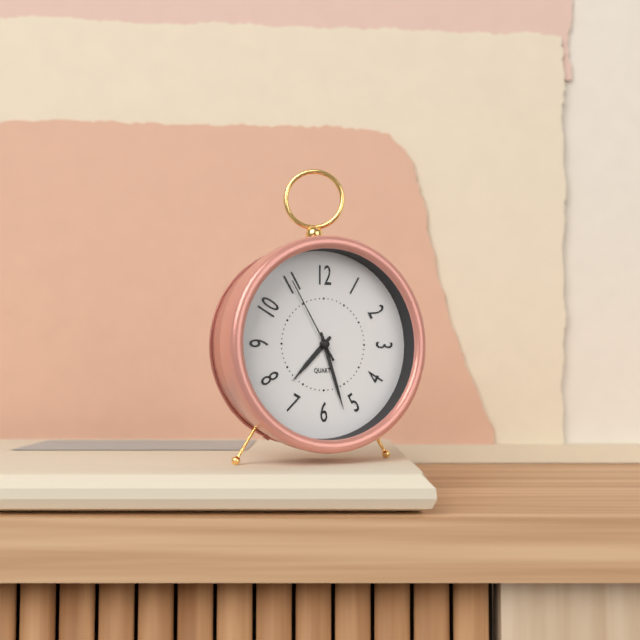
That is 7.27.55
